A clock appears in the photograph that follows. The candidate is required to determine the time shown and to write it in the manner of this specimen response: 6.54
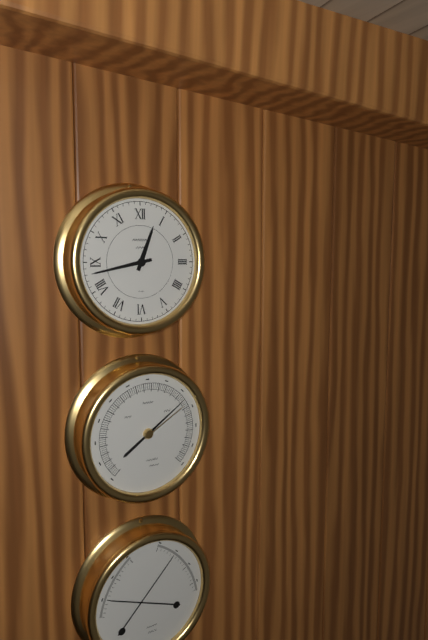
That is 12.43
